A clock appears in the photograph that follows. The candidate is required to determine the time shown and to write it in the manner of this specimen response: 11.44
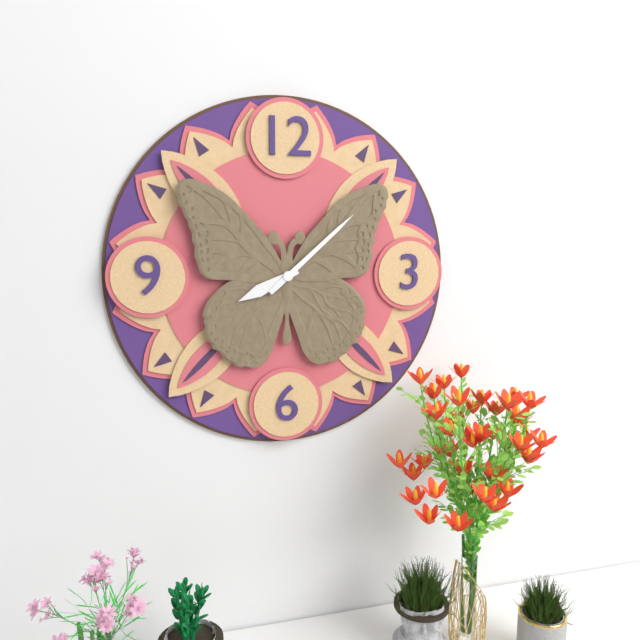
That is 8.08
